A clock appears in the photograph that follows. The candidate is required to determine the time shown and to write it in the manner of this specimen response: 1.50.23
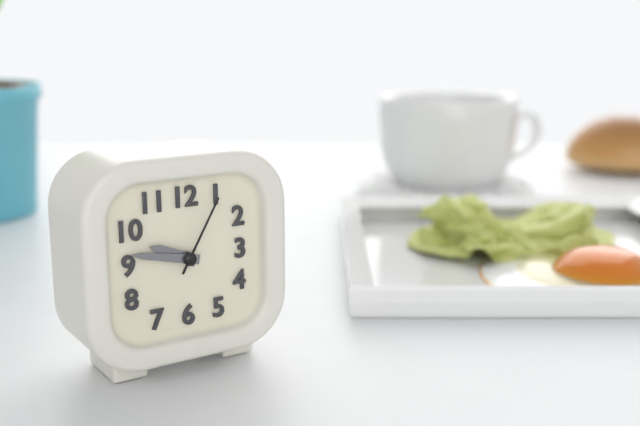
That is 9.47.05
